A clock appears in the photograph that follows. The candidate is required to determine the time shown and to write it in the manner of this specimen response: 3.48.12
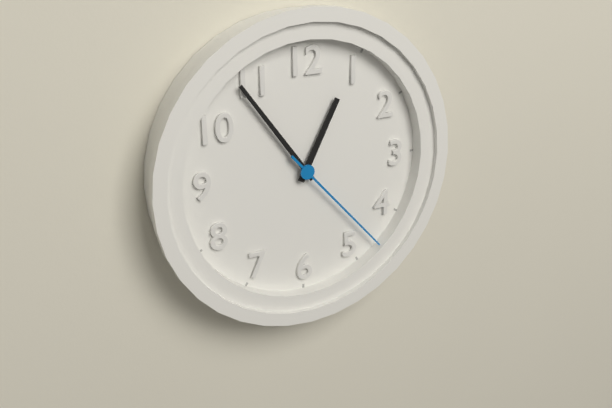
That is 12.54.23
